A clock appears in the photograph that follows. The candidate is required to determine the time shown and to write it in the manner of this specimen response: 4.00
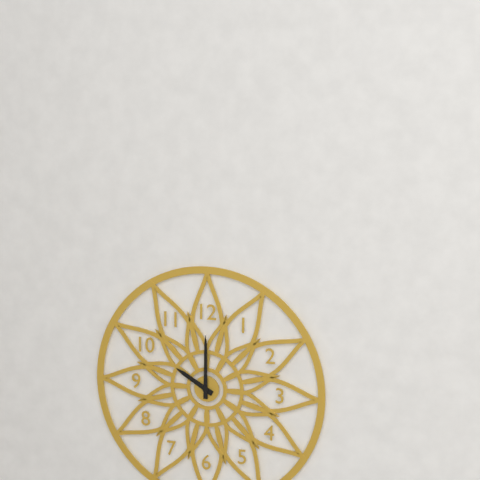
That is 10.00
